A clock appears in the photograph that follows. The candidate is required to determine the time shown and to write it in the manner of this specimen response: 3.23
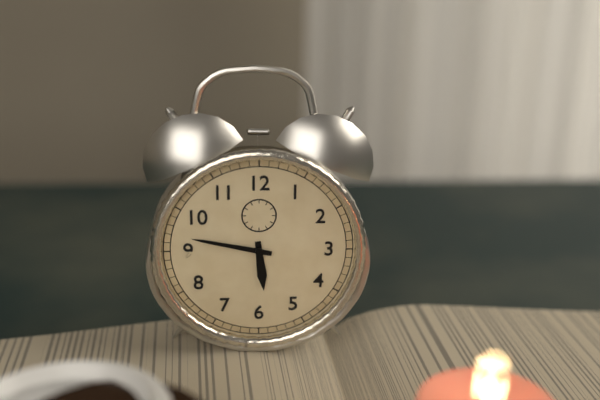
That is 5.47
